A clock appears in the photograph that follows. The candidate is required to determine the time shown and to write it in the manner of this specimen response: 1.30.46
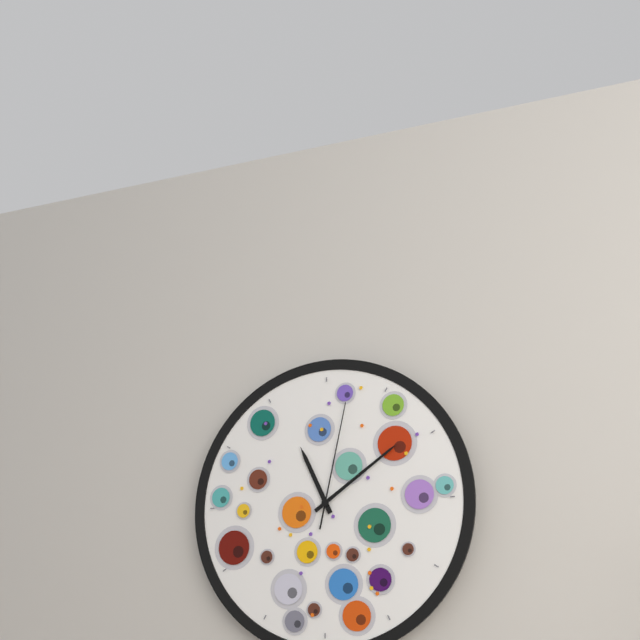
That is 11.09.02
